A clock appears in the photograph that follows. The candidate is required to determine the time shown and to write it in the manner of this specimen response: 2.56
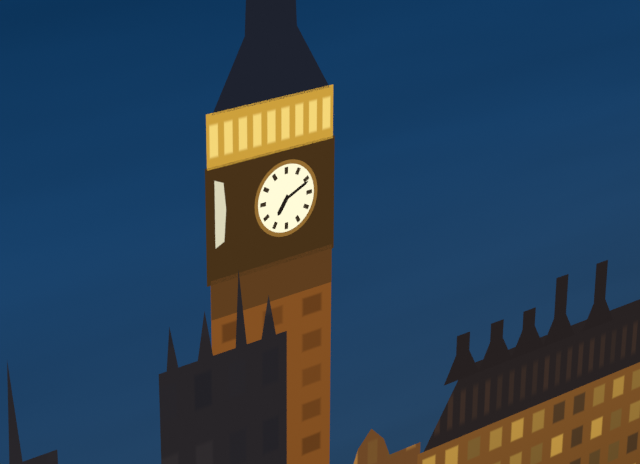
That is 7.11
